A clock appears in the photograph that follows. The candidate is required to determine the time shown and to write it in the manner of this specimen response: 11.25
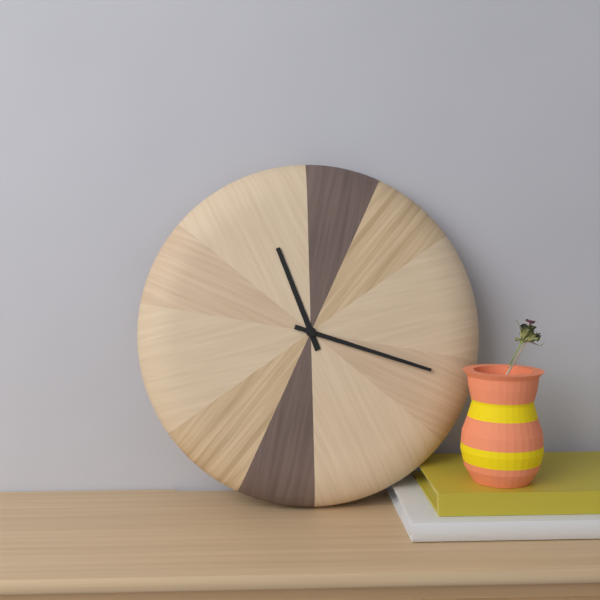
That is 11.18
